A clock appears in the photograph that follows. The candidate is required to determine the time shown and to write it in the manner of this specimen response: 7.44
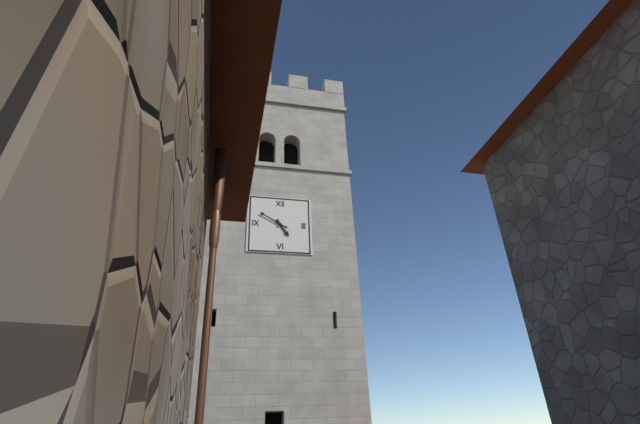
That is 4.50
